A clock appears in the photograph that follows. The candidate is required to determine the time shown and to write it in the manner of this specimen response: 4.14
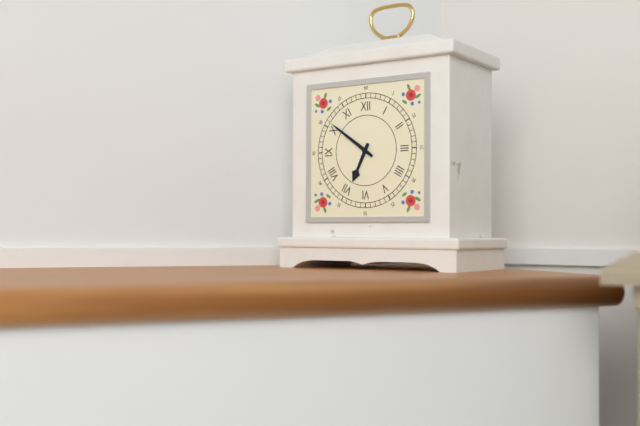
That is 6.51
